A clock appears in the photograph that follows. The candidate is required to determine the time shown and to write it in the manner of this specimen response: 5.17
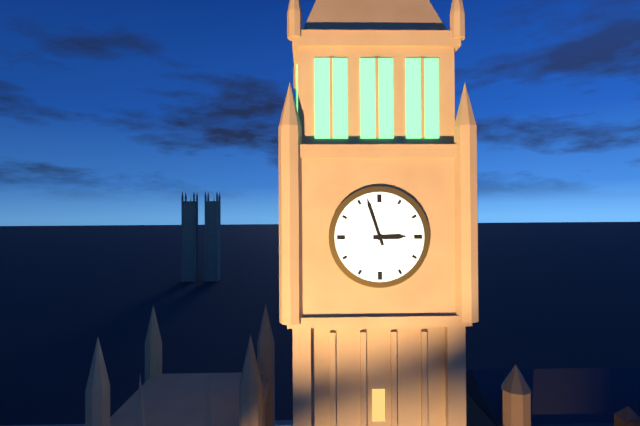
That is 2.57
